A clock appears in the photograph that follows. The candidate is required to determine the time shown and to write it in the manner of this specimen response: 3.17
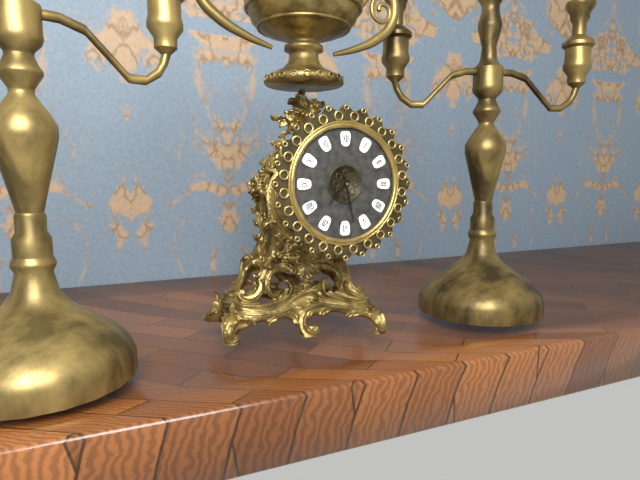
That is 7.28
